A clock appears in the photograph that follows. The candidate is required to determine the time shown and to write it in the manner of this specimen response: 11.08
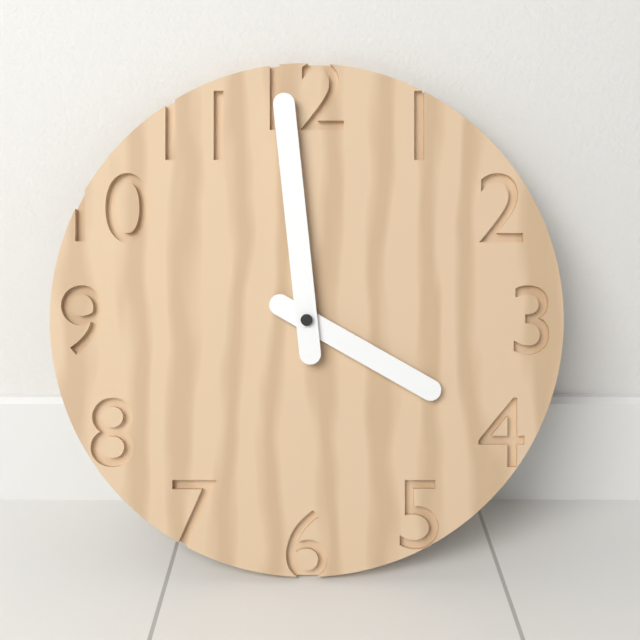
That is 3.59
